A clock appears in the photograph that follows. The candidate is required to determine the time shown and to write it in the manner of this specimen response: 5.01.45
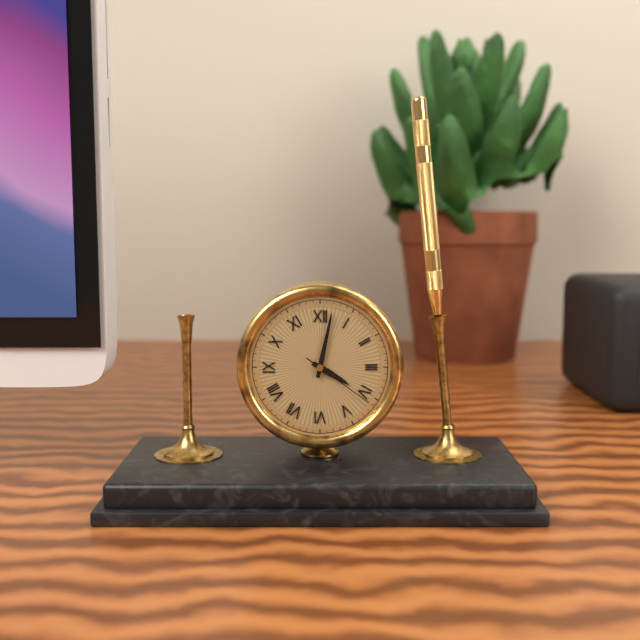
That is 4.02.21
